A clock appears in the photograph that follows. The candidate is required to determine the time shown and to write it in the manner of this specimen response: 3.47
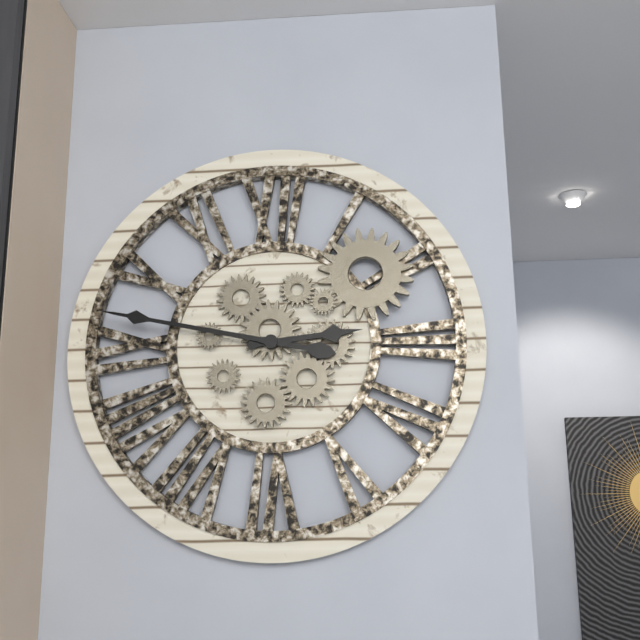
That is 2.47
